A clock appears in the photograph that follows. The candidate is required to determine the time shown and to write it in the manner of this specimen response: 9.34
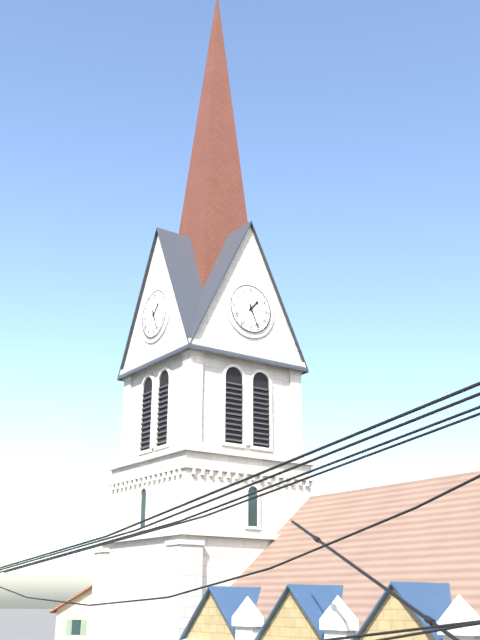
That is 1.26
